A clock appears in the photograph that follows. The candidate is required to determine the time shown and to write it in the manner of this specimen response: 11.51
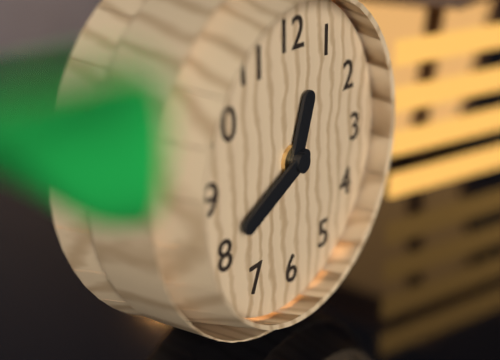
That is 12.41
